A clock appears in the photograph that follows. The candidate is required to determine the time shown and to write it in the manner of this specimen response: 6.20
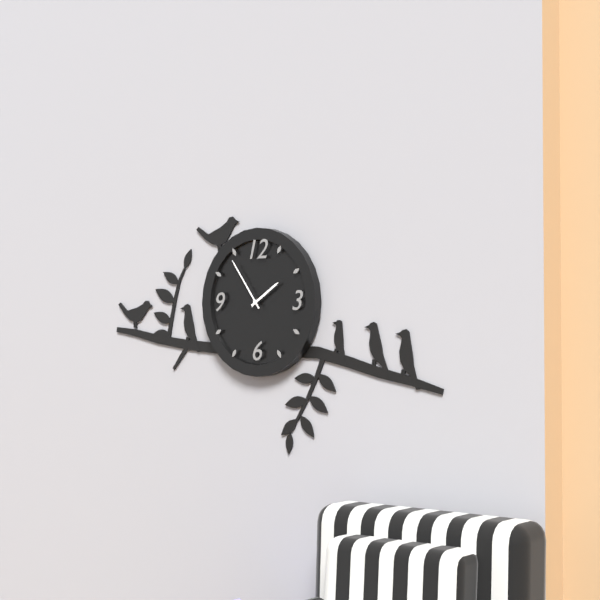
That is 1.54
